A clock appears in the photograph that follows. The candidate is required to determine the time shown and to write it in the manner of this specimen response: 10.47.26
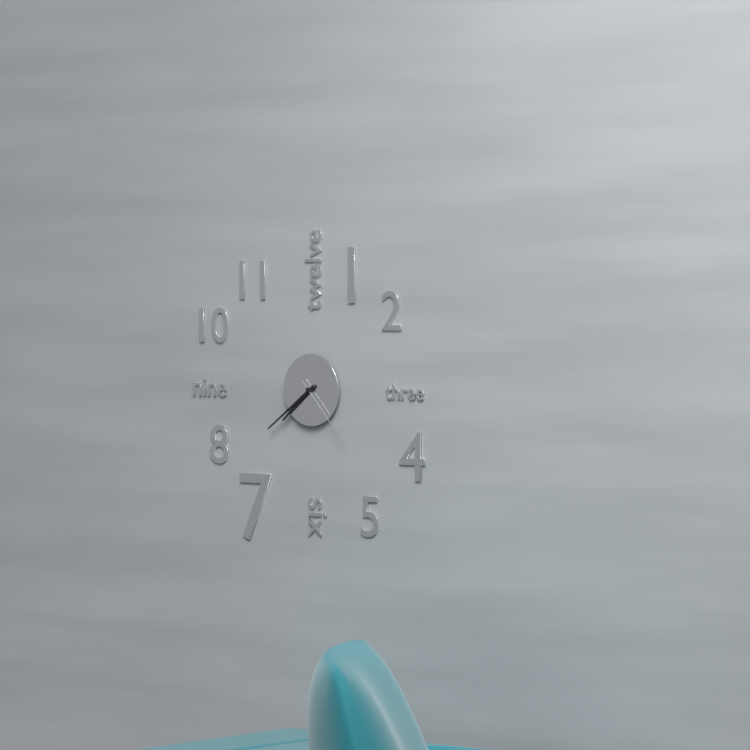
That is 7.39.23
